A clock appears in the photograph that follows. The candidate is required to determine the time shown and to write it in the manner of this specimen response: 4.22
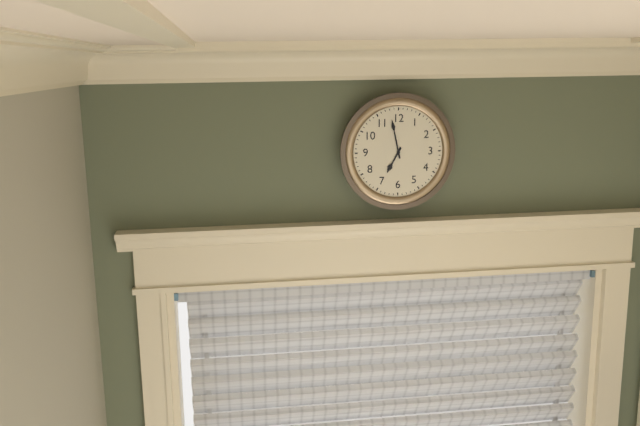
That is 6.58
